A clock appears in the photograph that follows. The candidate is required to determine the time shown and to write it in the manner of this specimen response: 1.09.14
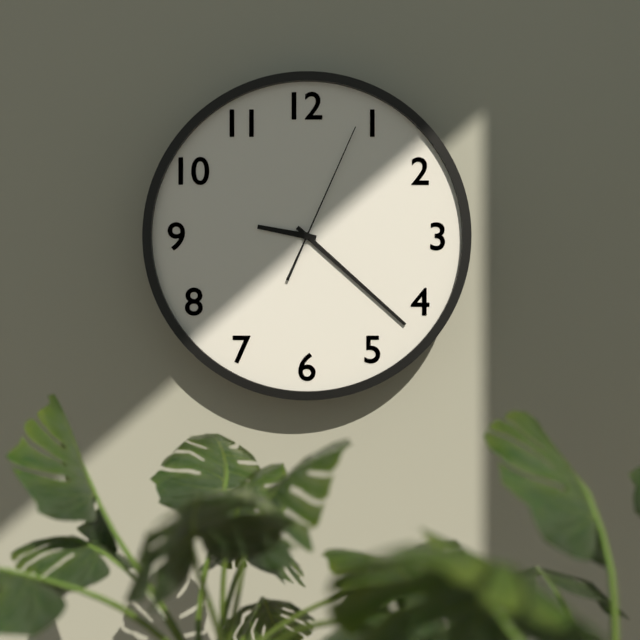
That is 9.22.04
